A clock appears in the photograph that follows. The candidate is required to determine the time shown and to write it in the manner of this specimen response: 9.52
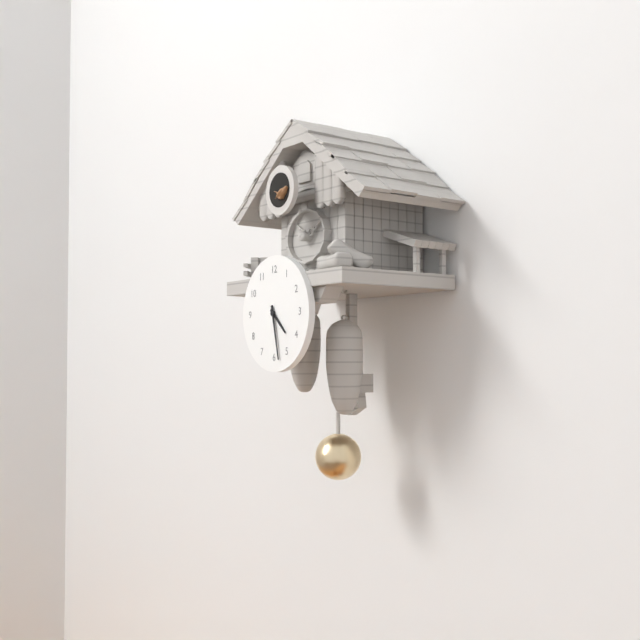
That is 4.28
